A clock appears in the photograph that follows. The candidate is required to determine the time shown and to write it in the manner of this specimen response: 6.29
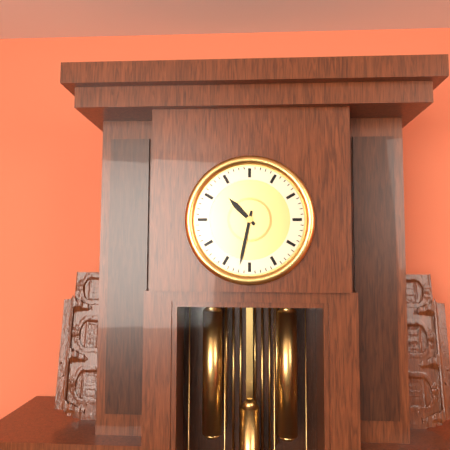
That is 10.32
